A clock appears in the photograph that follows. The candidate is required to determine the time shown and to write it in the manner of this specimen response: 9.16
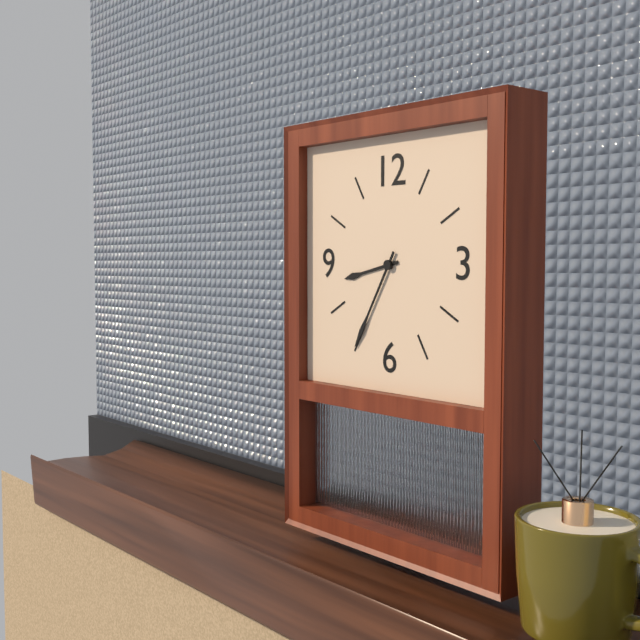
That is 8.35
